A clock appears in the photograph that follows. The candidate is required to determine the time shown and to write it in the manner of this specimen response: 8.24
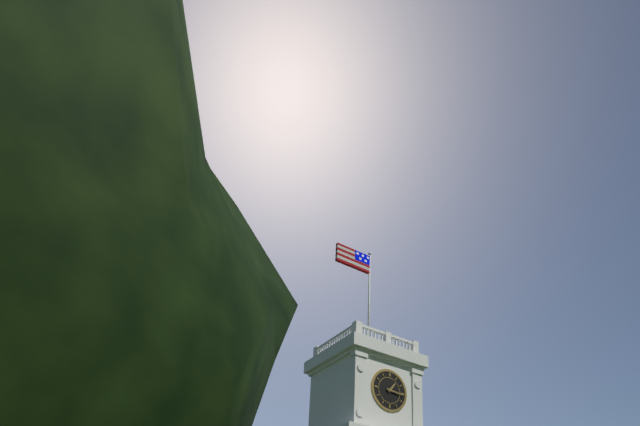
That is 1.16
